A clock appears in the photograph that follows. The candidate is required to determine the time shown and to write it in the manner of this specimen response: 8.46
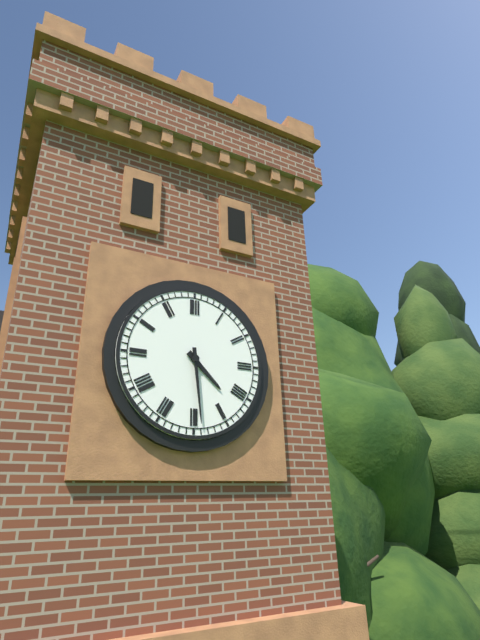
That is 4.29
